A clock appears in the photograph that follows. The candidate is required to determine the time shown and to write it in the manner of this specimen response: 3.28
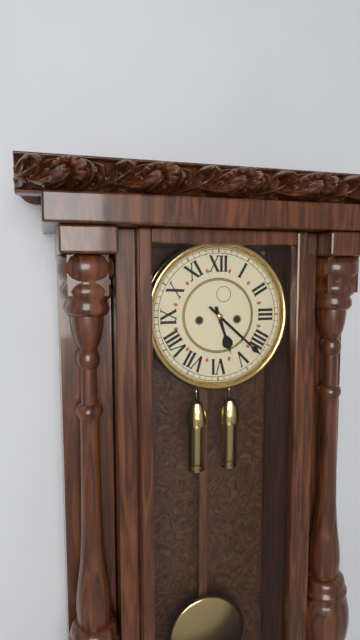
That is 5.22
